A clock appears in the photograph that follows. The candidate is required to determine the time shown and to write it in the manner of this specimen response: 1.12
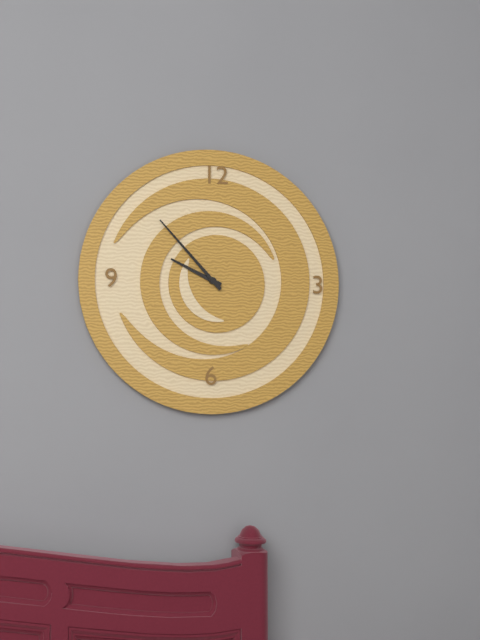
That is 9.53
